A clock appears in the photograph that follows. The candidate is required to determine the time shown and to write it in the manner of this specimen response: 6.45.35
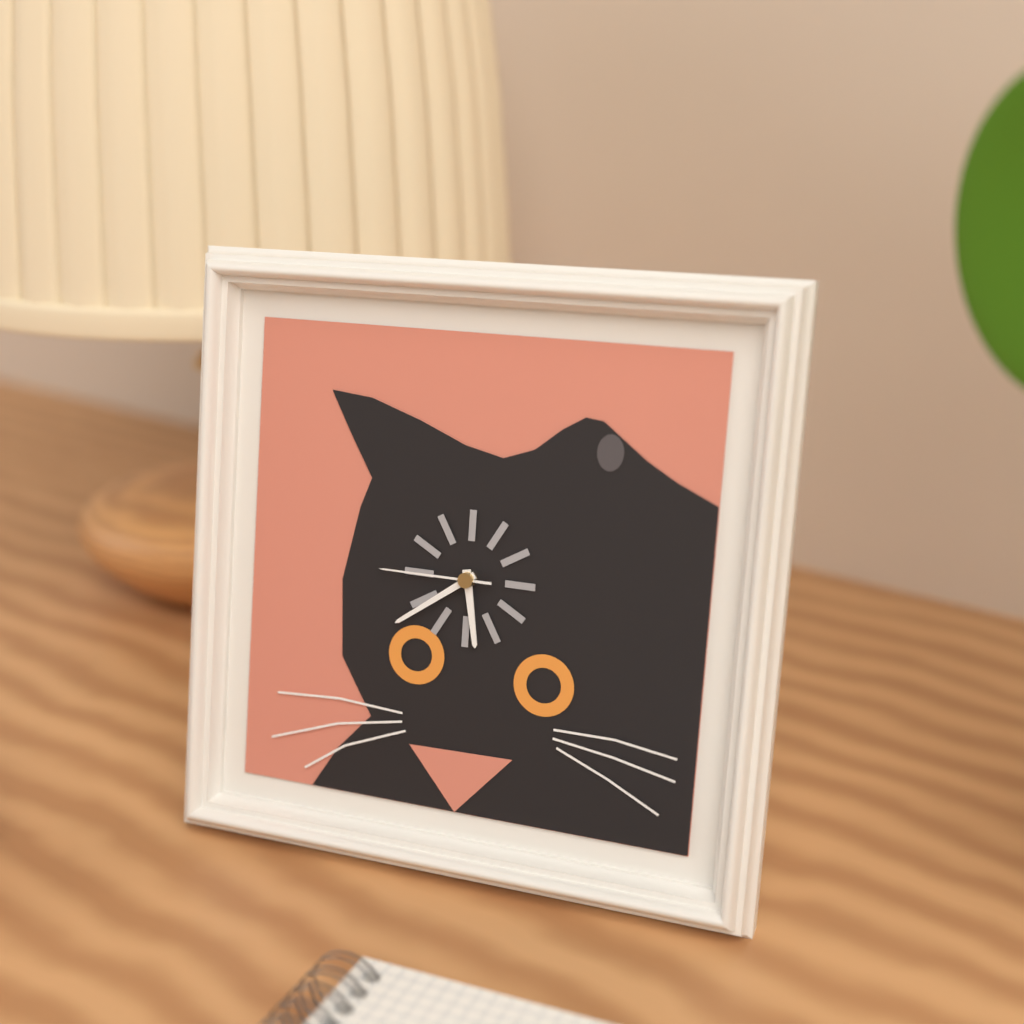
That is 5.39.45
